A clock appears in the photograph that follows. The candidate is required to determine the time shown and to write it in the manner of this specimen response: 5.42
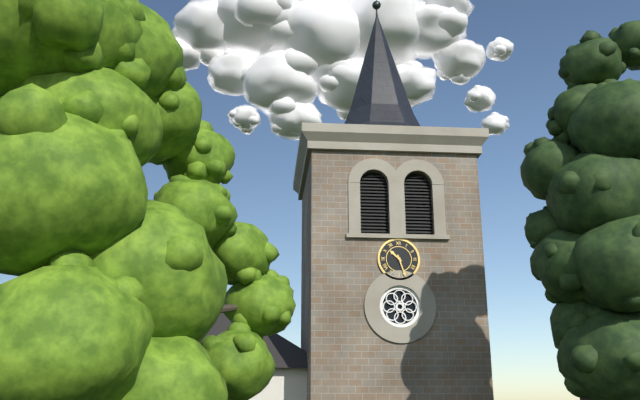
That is 10.27
